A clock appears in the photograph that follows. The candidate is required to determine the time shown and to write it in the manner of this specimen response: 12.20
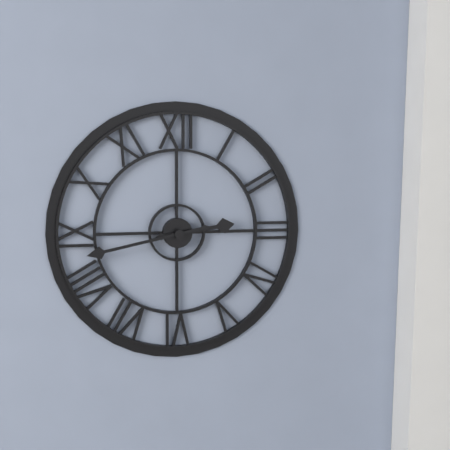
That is 2.43
